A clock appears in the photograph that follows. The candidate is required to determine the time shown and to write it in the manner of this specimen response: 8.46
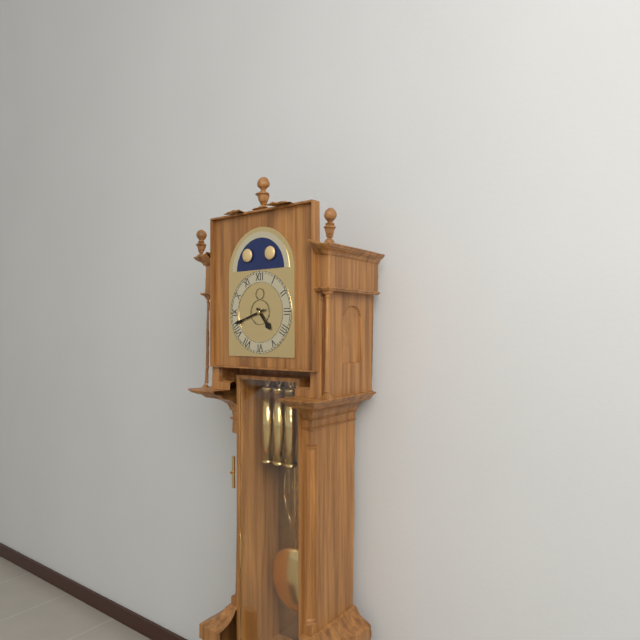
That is 4.42
